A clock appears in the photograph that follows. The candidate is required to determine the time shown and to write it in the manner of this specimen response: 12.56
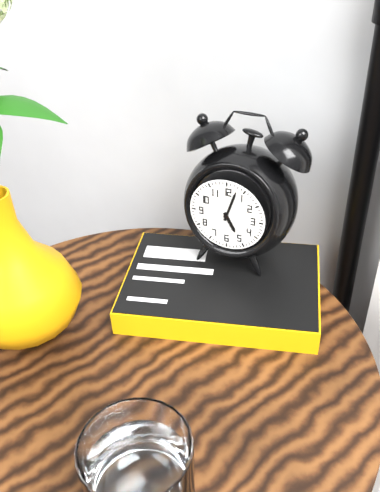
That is 5.03
